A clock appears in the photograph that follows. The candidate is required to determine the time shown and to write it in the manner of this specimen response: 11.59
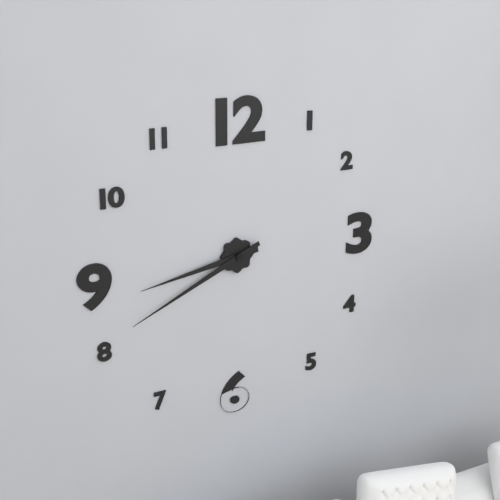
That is 8.41
